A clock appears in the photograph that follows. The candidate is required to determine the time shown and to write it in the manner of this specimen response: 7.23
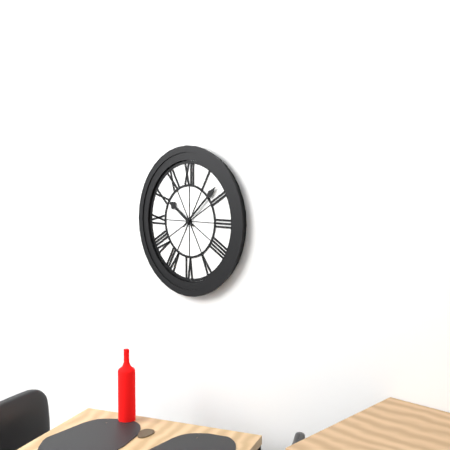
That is 10.08
